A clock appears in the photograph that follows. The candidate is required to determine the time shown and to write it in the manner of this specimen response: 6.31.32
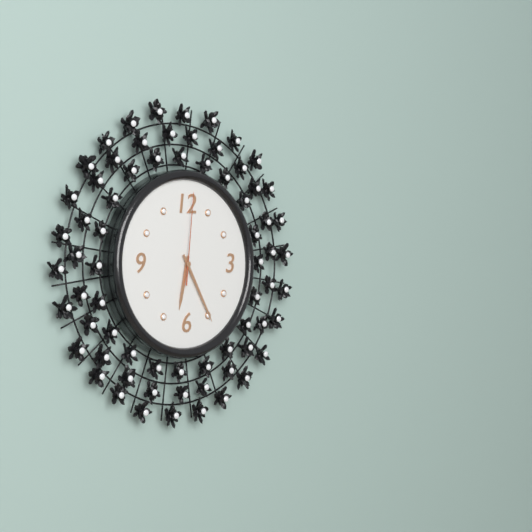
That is 6.25.01
